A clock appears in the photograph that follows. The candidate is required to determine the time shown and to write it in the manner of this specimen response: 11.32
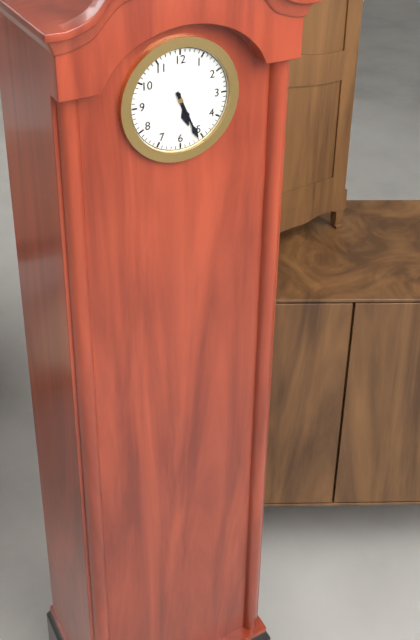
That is 5.26
